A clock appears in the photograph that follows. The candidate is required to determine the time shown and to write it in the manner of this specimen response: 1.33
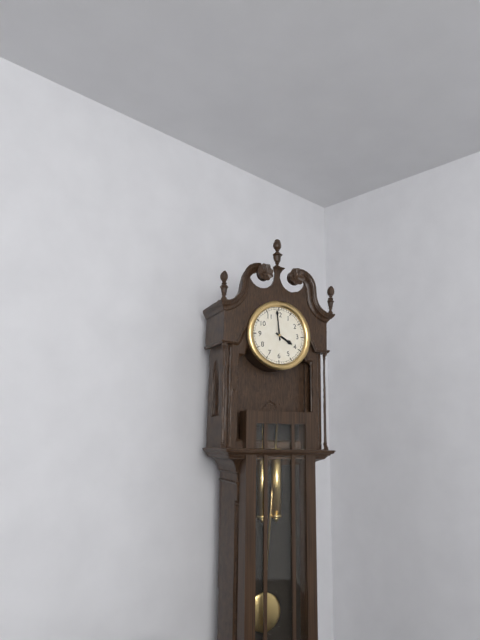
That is 3.59
